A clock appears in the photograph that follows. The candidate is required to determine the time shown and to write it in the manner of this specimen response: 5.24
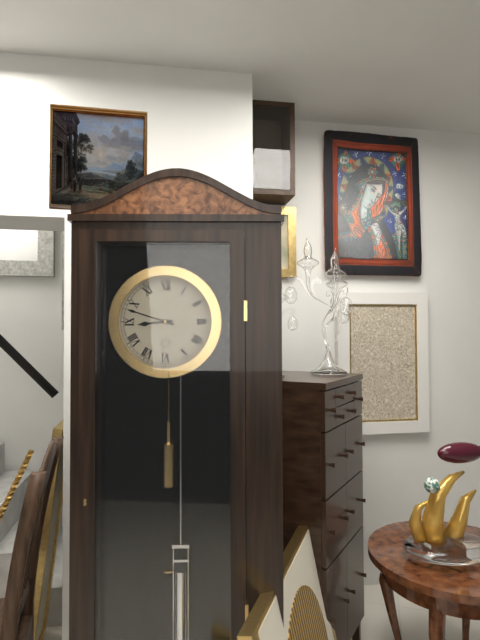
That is 8.48
